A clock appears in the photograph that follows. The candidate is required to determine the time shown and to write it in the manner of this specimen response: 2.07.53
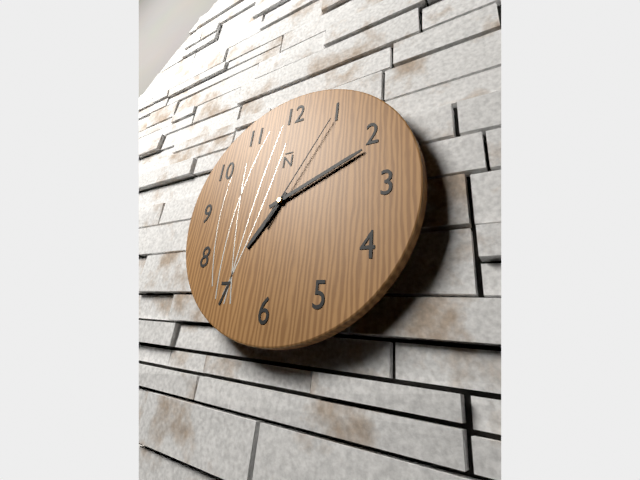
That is 7.11.05
